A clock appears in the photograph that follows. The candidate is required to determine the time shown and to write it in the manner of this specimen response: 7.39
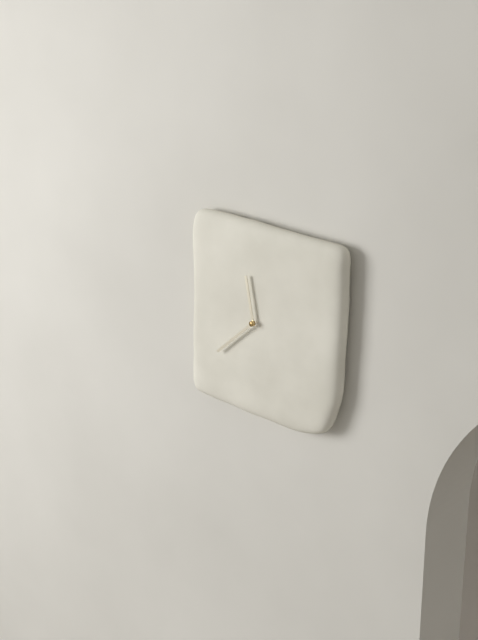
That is 11.38
